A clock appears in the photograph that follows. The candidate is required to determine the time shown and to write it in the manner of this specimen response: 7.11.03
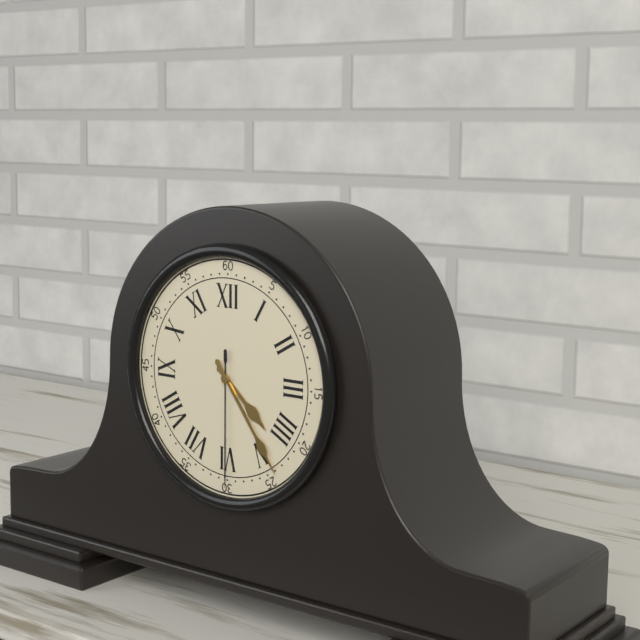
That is 4.24.30
